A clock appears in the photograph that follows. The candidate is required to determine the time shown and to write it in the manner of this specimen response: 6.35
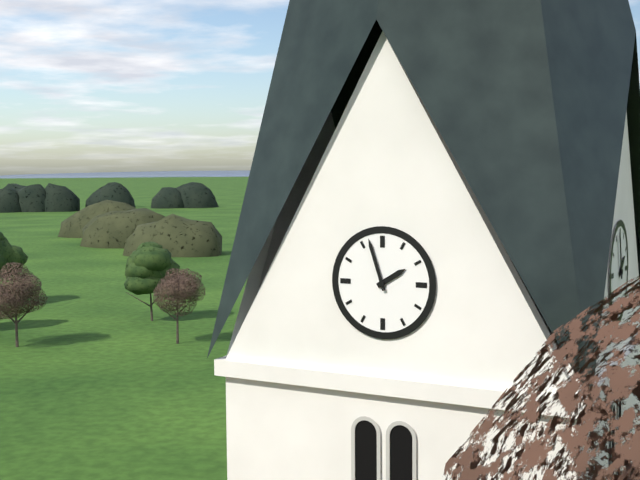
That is 1.57
